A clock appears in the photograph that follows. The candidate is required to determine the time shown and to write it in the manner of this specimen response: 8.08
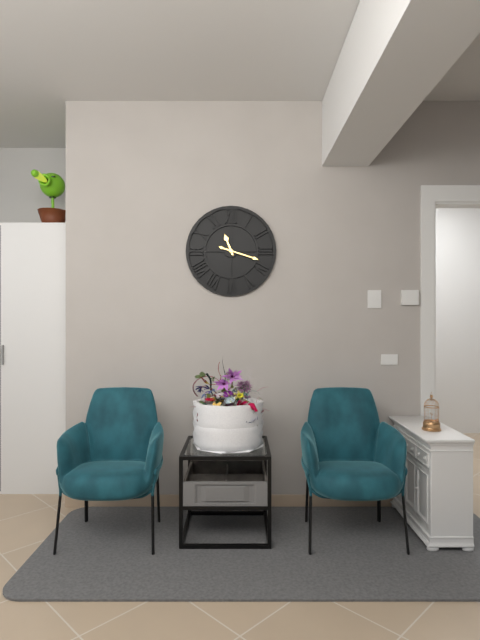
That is 11.18
